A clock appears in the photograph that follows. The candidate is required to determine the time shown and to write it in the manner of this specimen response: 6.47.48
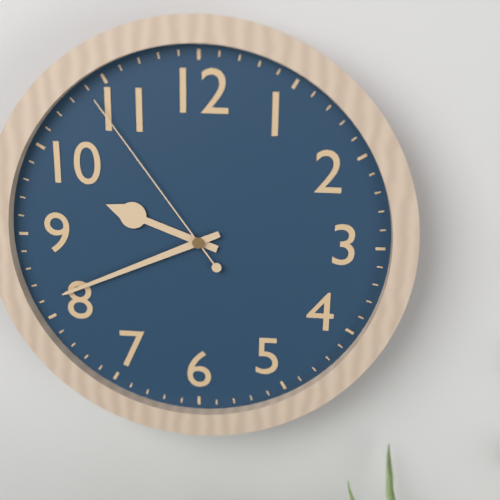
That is 9.41.54
